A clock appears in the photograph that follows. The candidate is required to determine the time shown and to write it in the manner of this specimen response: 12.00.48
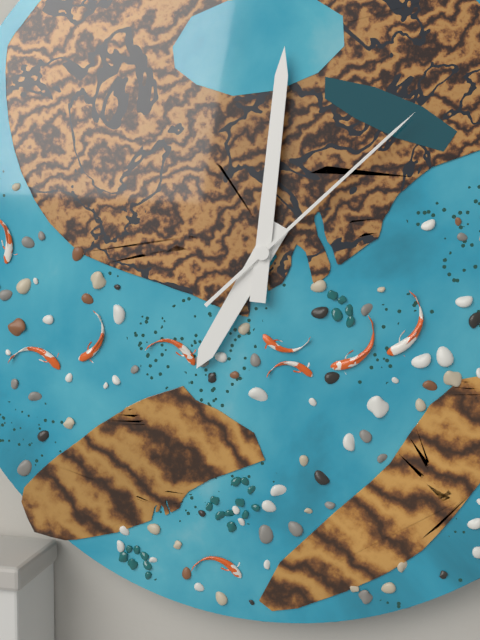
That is 7.01.08
